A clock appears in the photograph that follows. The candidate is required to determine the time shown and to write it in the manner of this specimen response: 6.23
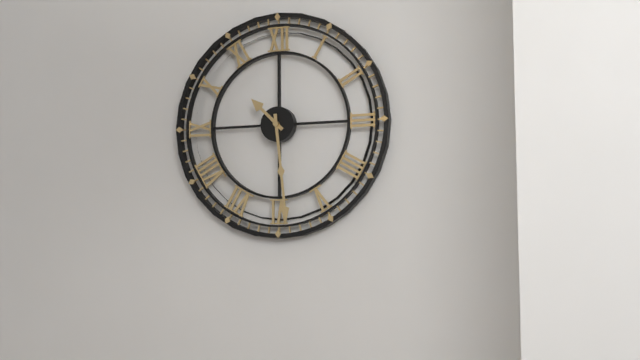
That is 10.29
